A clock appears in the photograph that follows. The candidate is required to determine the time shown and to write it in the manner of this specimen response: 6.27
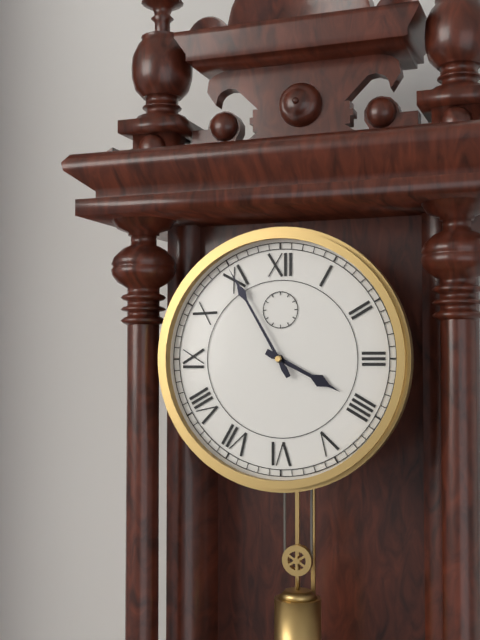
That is 3.55
